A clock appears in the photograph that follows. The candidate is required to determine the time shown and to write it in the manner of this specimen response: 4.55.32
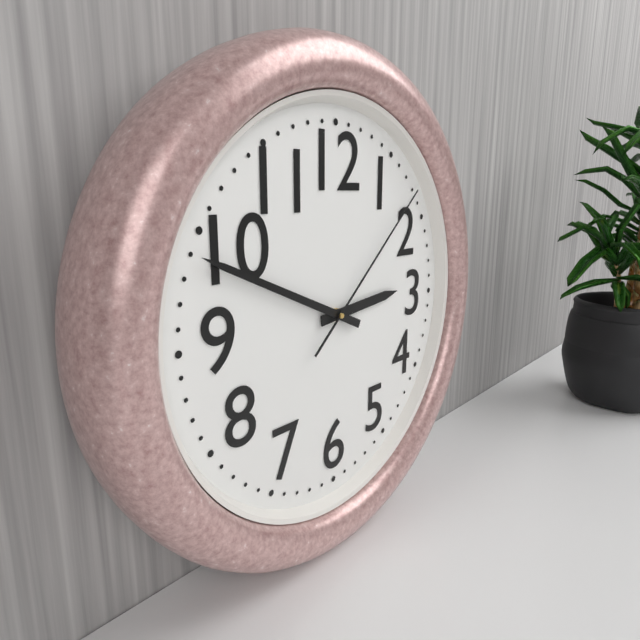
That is 2.49.08
